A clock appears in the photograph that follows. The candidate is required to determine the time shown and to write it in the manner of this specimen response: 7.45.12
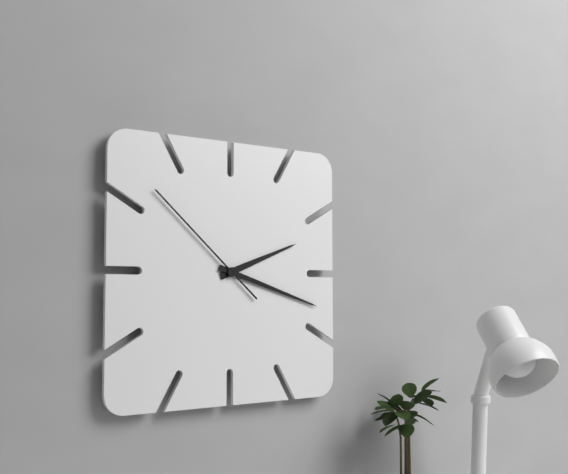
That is 2.18.52
